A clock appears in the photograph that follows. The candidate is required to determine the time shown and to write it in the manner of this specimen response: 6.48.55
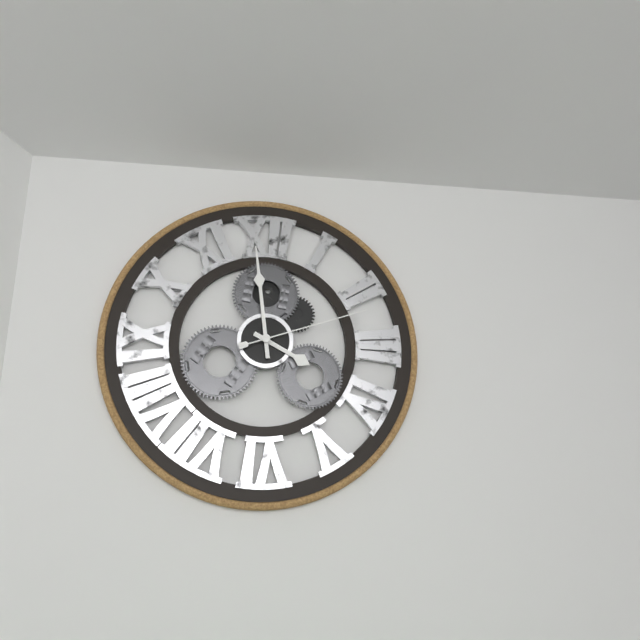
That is 3.59.12
